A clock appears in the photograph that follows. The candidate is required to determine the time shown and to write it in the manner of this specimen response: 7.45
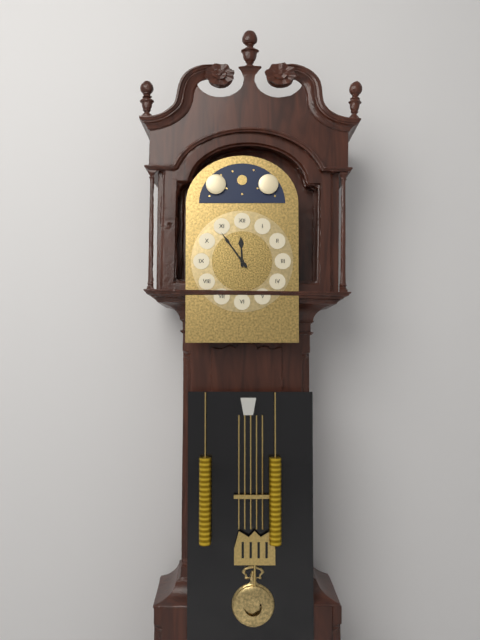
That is 11.54
